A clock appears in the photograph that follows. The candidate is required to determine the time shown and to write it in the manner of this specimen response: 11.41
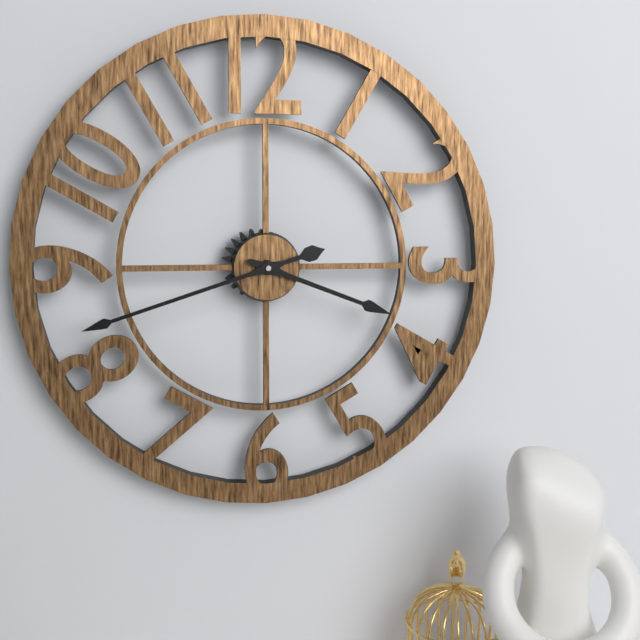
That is 3.42
